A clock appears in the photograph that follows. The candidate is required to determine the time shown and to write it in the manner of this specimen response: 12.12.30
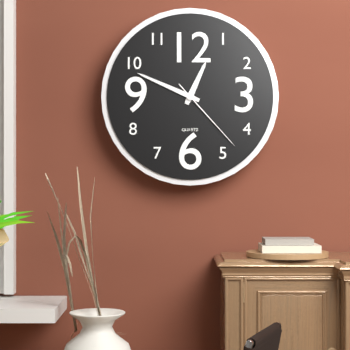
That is 12.49.23
